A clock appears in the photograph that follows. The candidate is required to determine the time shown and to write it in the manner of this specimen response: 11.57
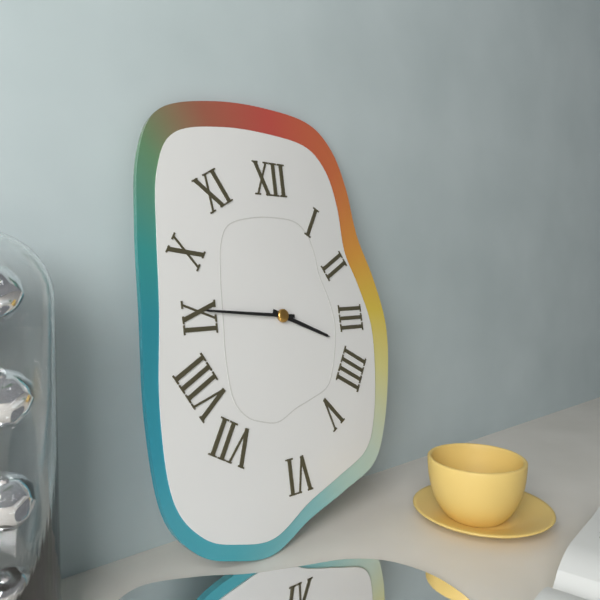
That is 3.46
